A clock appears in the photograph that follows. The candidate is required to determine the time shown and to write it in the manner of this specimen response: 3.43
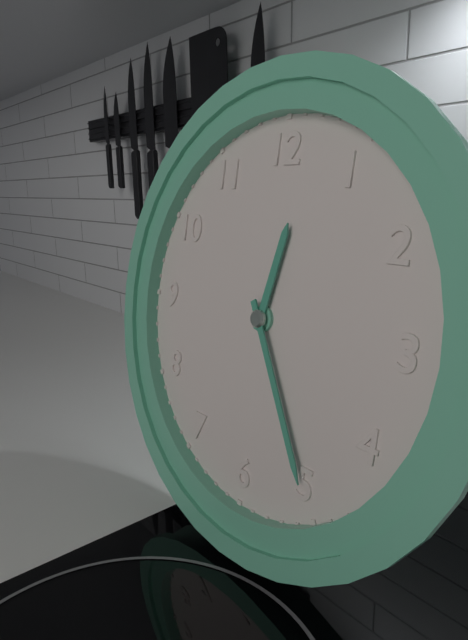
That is 12.25
